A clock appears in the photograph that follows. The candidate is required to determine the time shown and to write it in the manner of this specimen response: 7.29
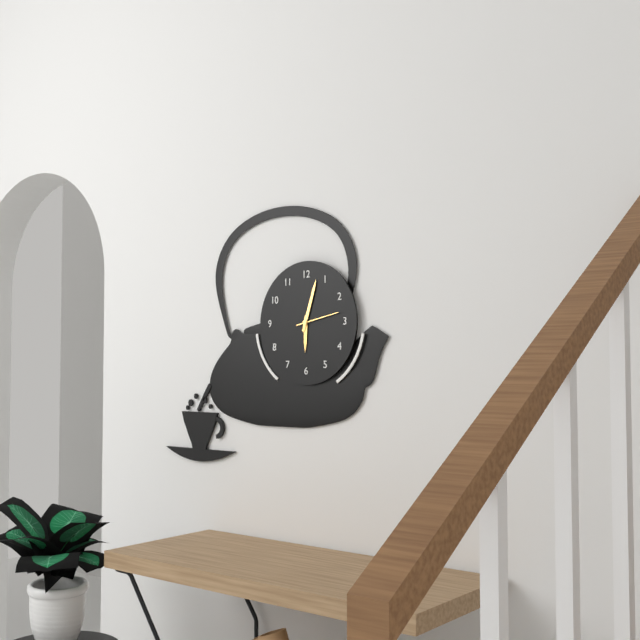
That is 6.03
